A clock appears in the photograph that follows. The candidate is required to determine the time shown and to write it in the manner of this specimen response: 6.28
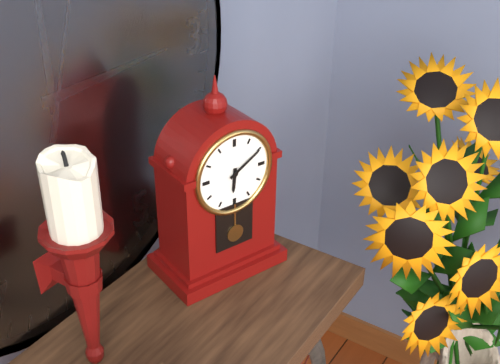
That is 6.10
